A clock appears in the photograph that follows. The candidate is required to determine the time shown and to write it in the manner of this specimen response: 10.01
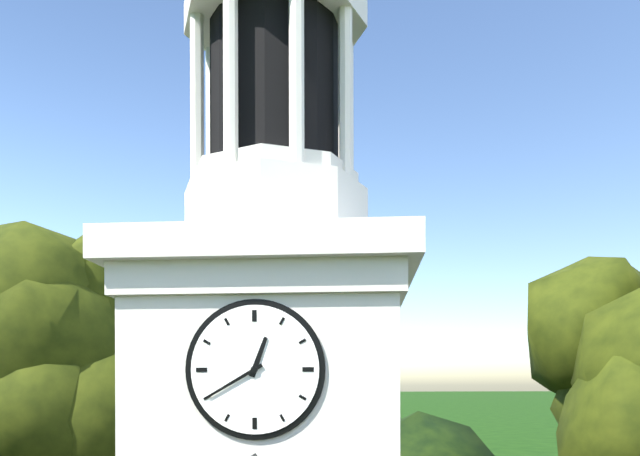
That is 12.40
